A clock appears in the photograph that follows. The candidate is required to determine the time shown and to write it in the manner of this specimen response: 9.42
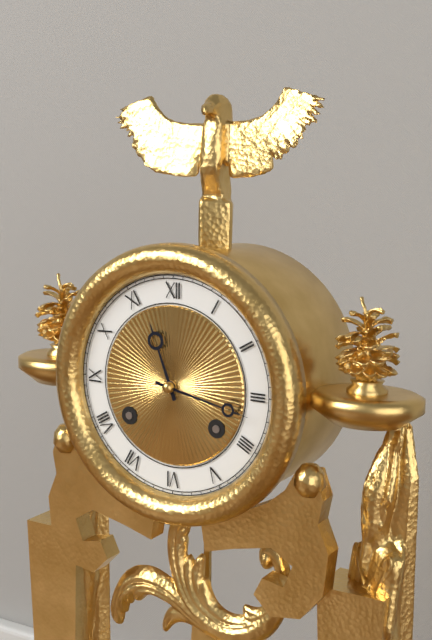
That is 11.17
